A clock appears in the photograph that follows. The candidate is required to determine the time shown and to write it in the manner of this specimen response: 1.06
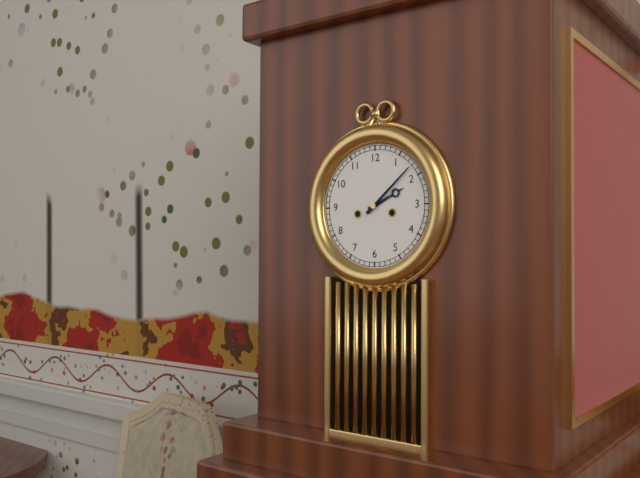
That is 2.08
